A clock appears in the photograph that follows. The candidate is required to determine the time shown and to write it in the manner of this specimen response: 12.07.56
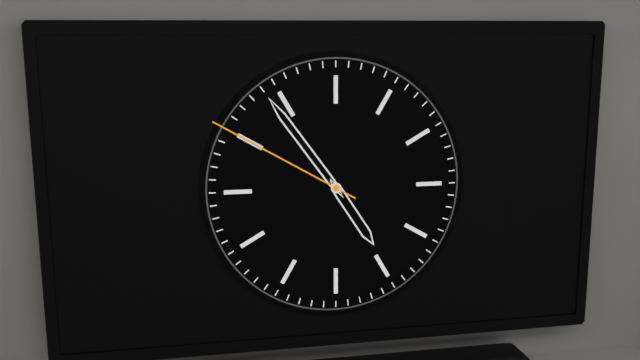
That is 4.54.50
